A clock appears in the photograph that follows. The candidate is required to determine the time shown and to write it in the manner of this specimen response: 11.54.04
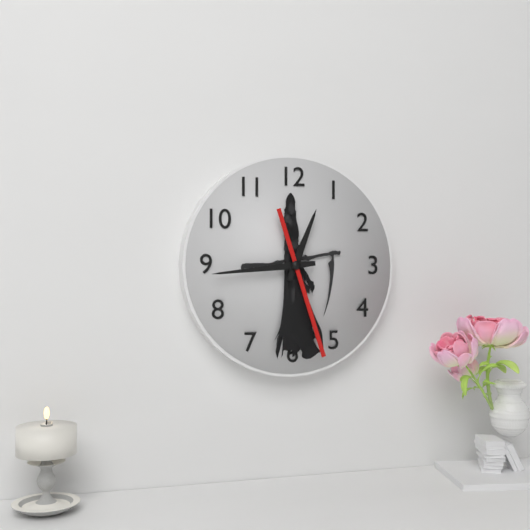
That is 12.44.27
